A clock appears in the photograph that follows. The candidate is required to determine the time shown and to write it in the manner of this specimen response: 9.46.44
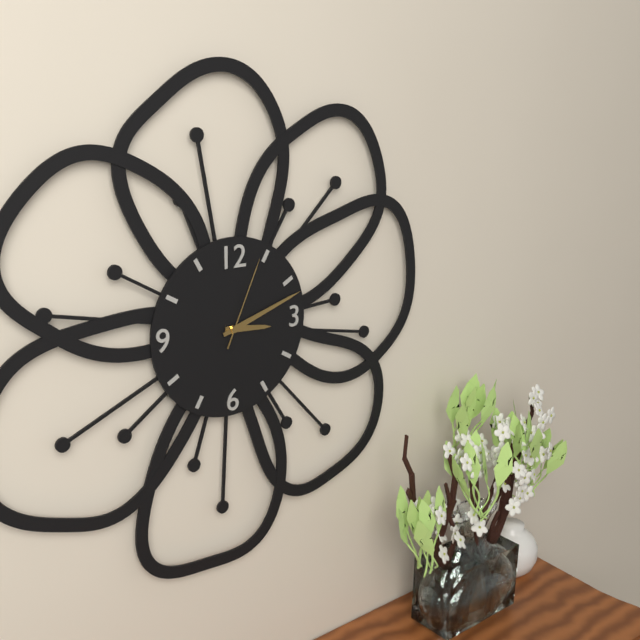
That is 3.12.04
